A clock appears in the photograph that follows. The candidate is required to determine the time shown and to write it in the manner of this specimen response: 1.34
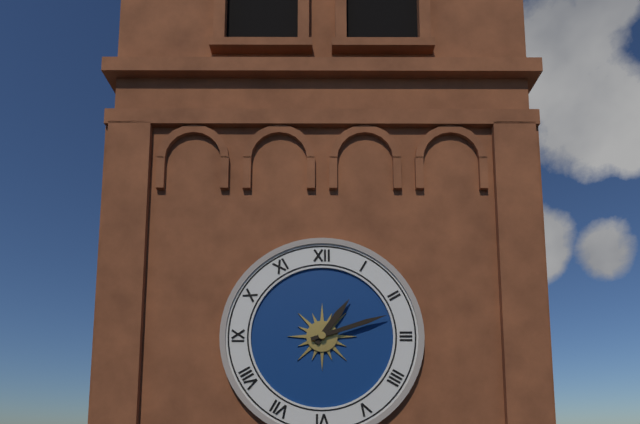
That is 1.12
